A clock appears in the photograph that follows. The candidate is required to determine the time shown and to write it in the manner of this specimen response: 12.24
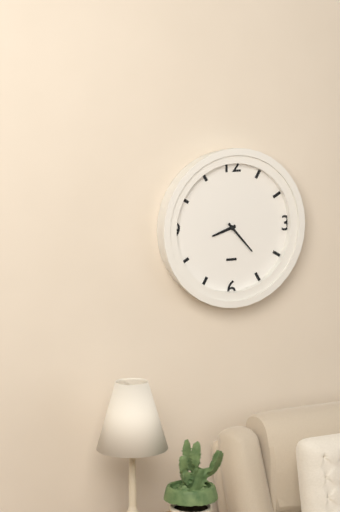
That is 8.23
